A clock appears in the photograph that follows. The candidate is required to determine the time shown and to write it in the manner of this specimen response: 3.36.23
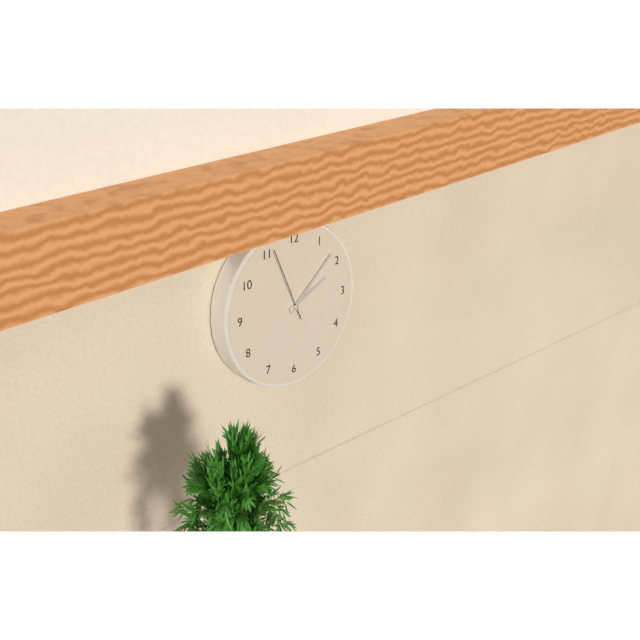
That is 2.08.56
